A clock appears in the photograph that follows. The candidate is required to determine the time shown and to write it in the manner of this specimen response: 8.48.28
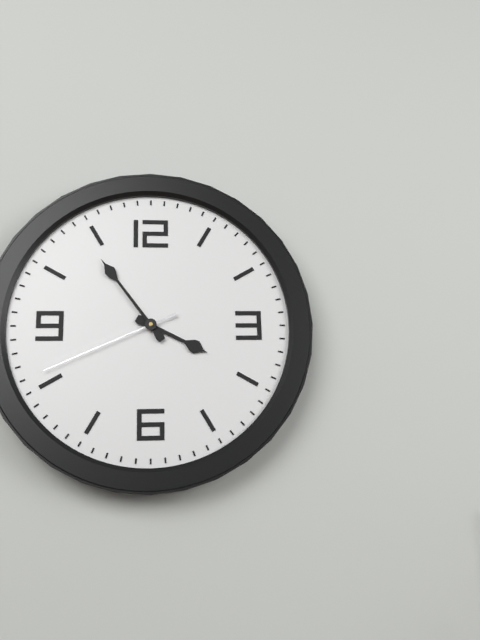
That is 3.54.41
